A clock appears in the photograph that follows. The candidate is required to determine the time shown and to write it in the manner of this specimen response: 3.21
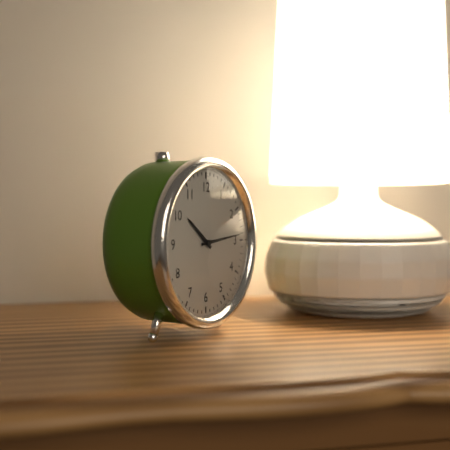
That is 10.14
